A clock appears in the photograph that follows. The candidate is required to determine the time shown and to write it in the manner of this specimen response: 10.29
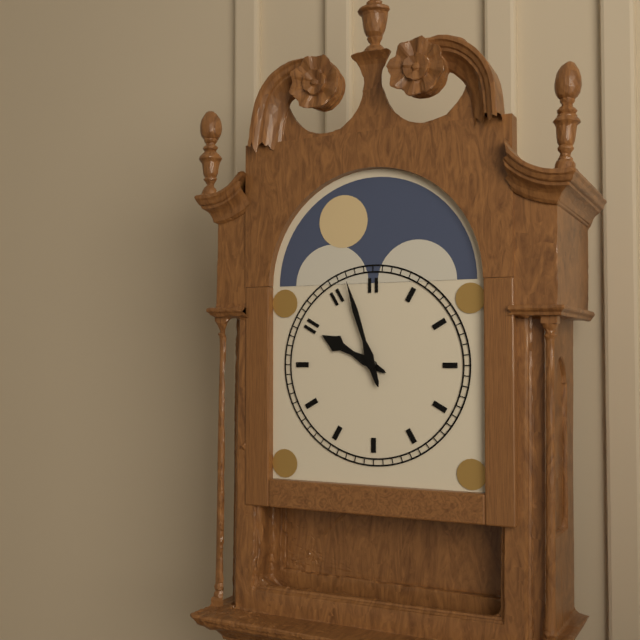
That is 9.57
